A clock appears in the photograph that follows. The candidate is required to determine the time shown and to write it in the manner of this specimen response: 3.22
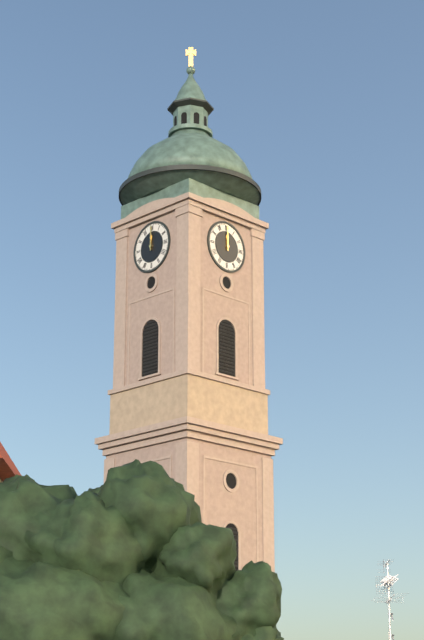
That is 12.00
